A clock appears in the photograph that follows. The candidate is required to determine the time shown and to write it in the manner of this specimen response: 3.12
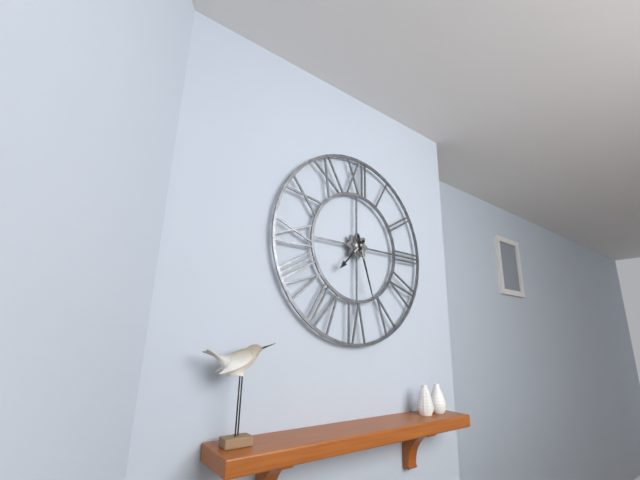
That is 7.27
